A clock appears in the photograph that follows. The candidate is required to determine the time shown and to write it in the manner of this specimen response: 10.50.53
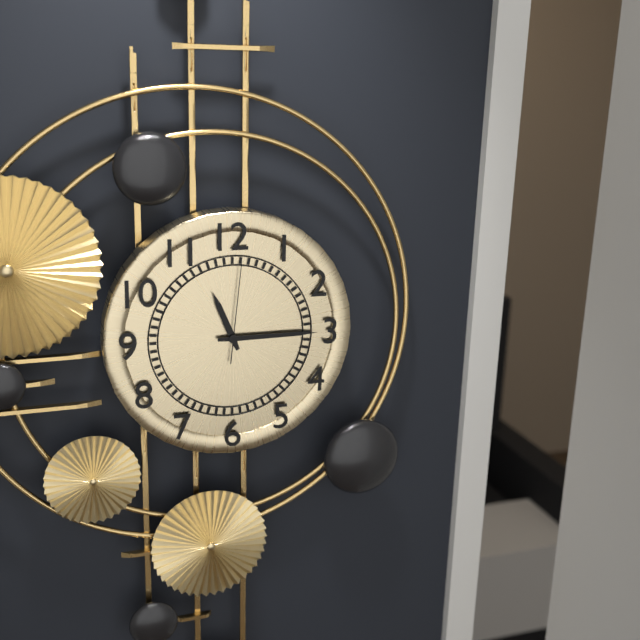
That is 11.15.01
